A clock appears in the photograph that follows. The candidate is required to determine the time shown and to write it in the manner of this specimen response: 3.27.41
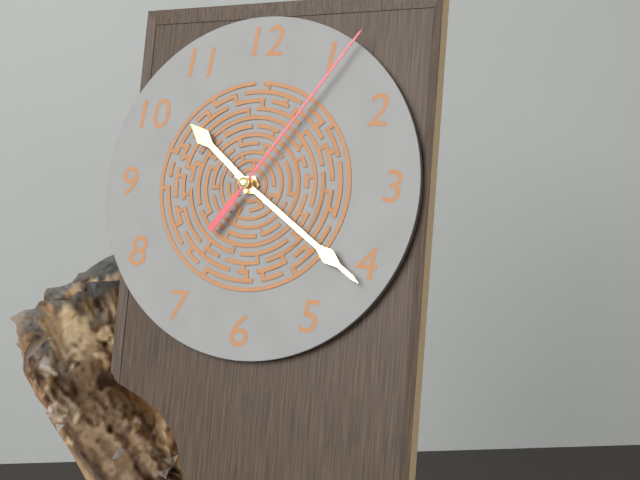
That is 10.21.06
